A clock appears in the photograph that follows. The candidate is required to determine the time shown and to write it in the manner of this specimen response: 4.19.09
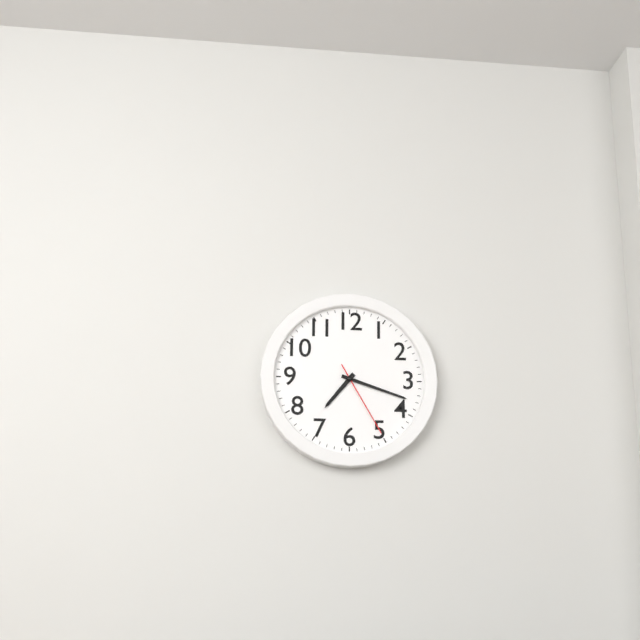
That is 7.18.25
